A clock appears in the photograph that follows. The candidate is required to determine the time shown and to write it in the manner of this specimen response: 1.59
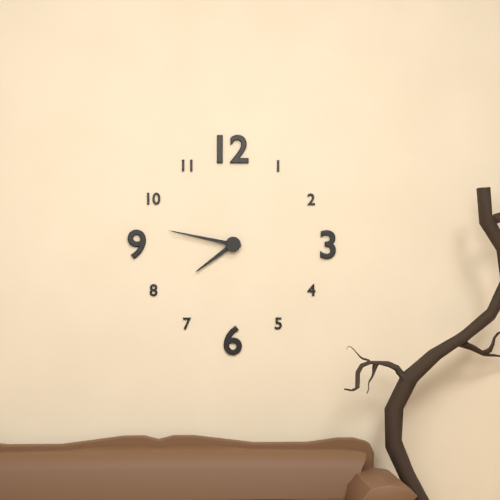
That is 7.47
